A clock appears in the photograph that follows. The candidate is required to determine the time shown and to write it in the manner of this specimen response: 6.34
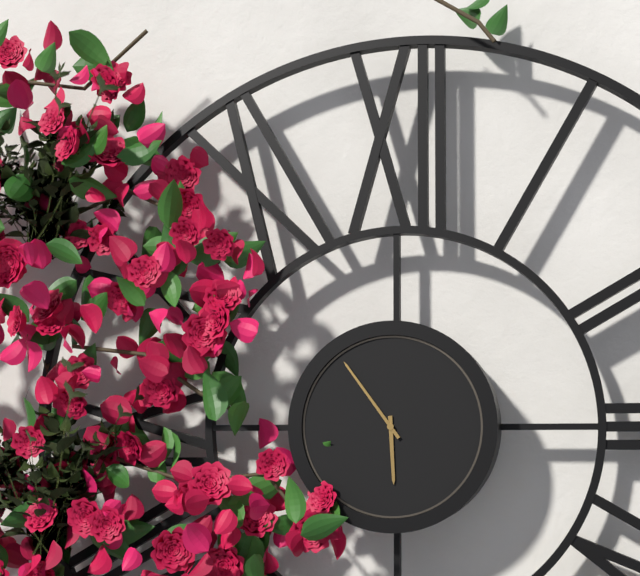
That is 5.54
